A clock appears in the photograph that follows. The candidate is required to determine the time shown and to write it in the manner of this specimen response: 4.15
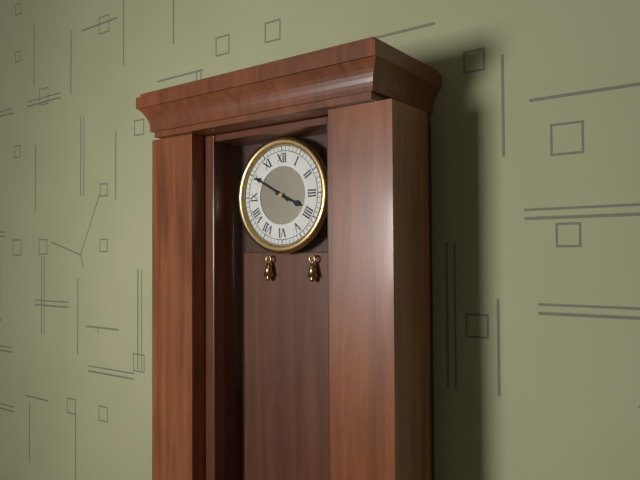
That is 3.50
